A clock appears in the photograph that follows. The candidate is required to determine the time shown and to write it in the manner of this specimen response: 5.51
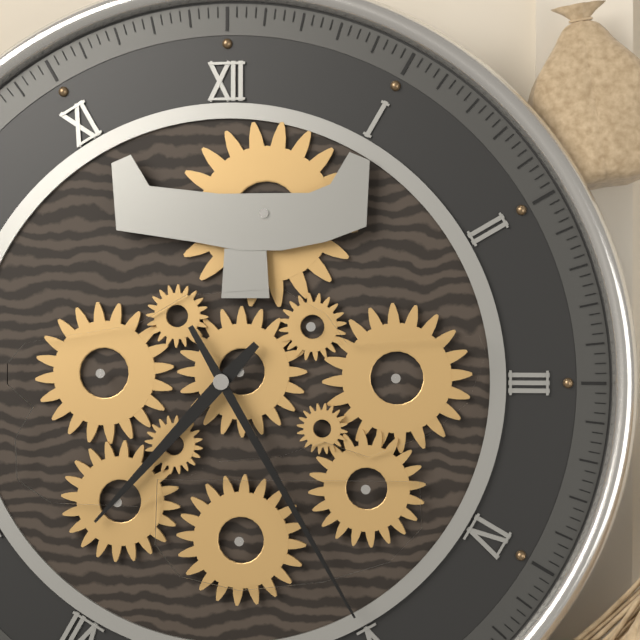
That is 7.25
